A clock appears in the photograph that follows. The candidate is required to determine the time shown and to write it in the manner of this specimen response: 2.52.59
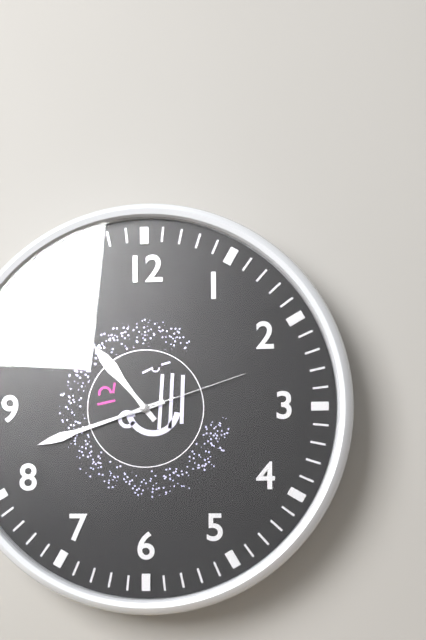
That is 10.42.12
